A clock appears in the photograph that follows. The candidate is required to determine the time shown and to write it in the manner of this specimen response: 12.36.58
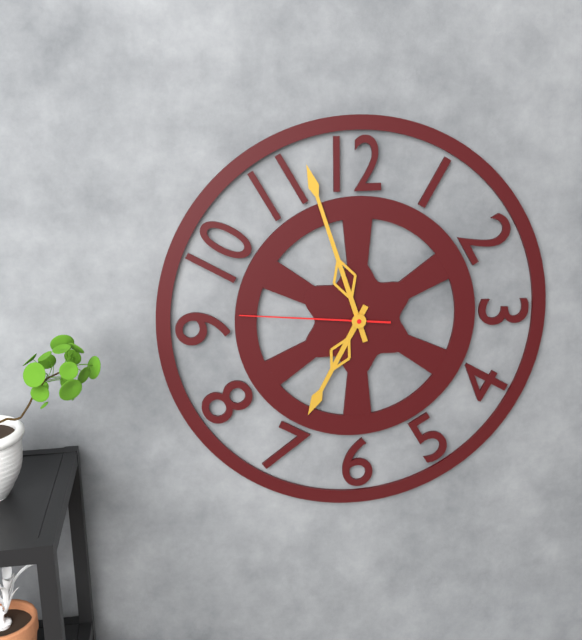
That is 6.57.46
